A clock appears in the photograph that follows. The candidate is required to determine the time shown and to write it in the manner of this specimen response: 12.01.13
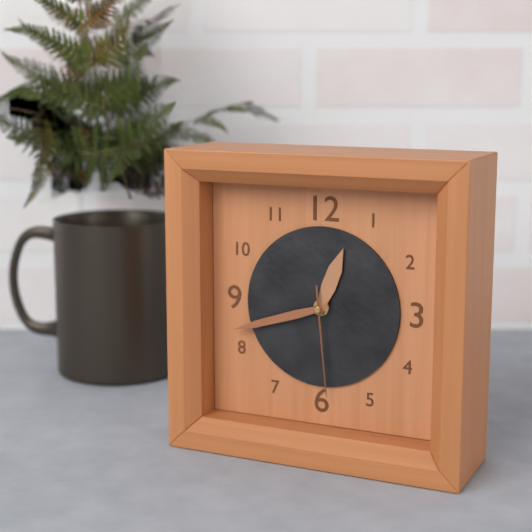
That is 12.42.29
